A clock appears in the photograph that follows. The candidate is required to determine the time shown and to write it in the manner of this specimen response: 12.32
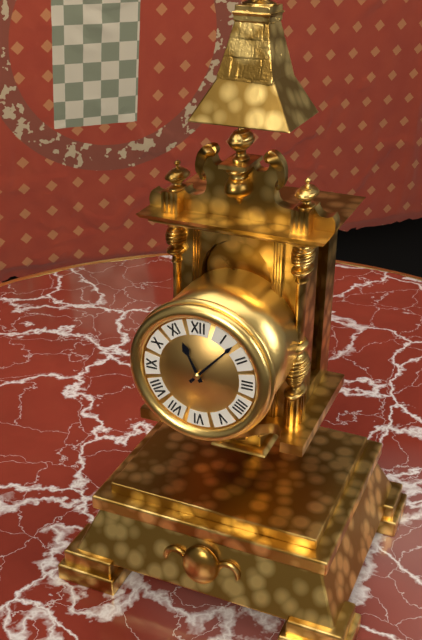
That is 11.07
